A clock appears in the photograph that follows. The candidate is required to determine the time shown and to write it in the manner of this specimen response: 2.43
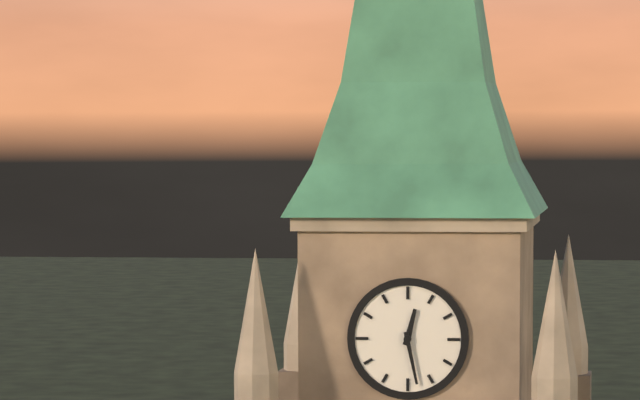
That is 12.28
